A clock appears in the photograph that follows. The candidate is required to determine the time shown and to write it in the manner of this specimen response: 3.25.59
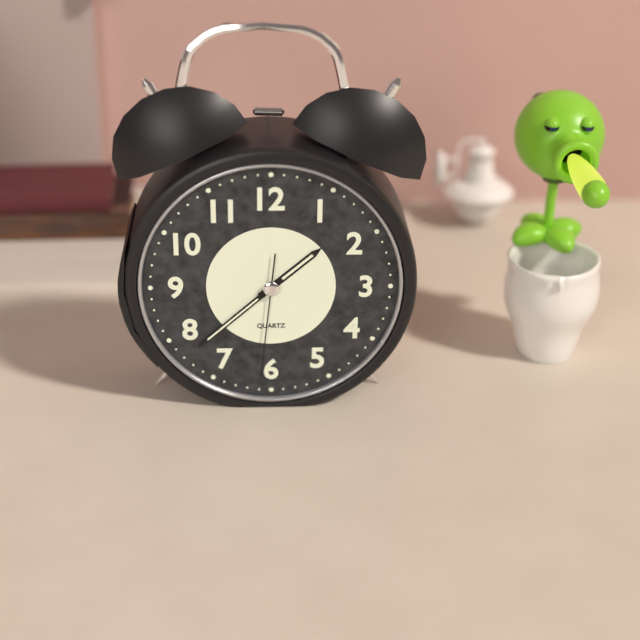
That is 1.38.31
